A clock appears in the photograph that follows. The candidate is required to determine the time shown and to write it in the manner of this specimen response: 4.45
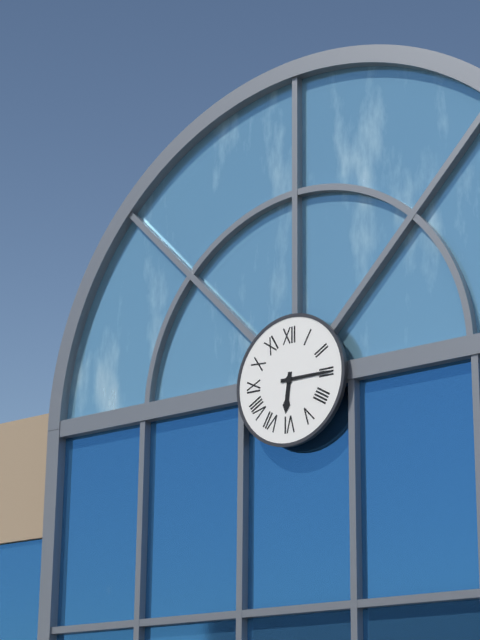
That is 6.15
